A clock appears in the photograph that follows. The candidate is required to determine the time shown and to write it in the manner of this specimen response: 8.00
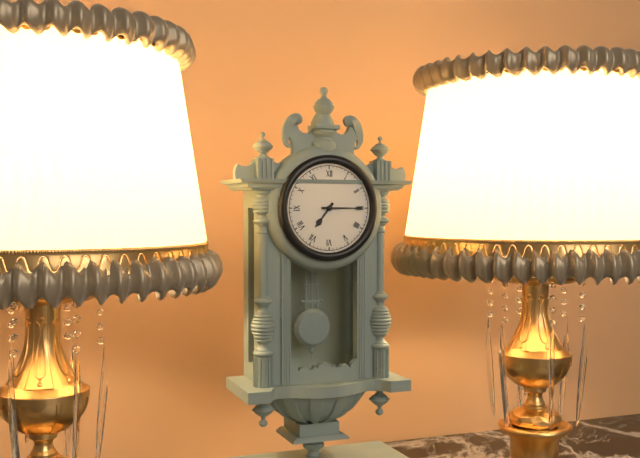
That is 7.15
